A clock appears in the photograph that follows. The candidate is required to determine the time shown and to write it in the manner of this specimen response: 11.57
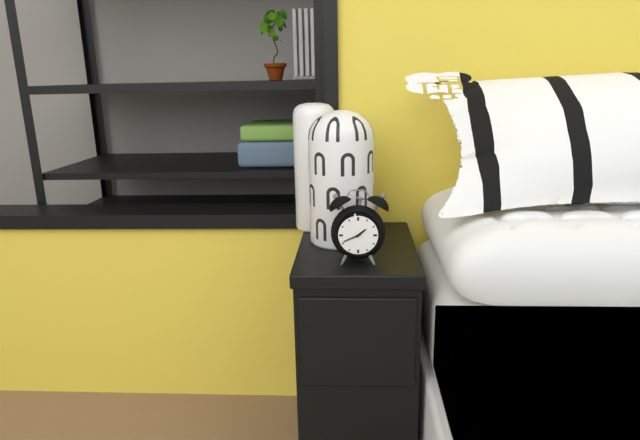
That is 1.41
